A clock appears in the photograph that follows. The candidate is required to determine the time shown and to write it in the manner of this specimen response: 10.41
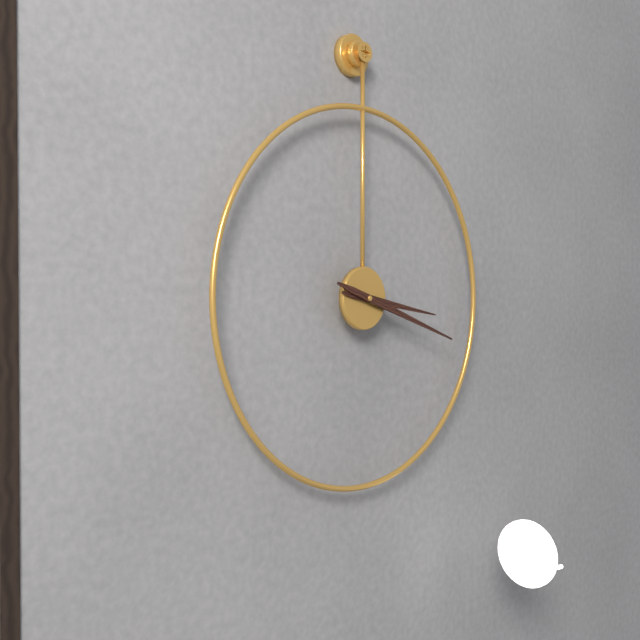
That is 3.18
